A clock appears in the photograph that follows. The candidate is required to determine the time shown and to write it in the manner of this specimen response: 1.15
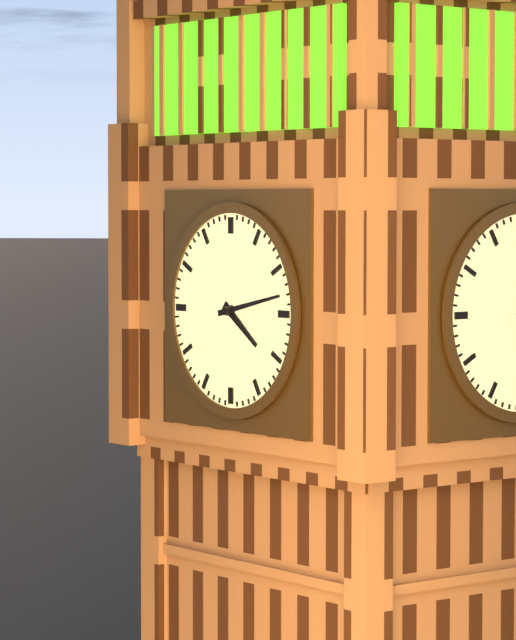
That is 4.13
